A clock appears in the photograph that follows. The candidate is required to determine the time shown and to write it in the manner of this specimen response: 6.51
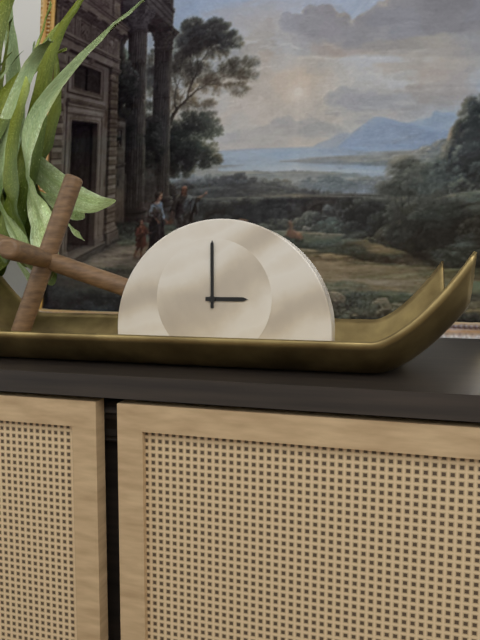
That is 3.00
